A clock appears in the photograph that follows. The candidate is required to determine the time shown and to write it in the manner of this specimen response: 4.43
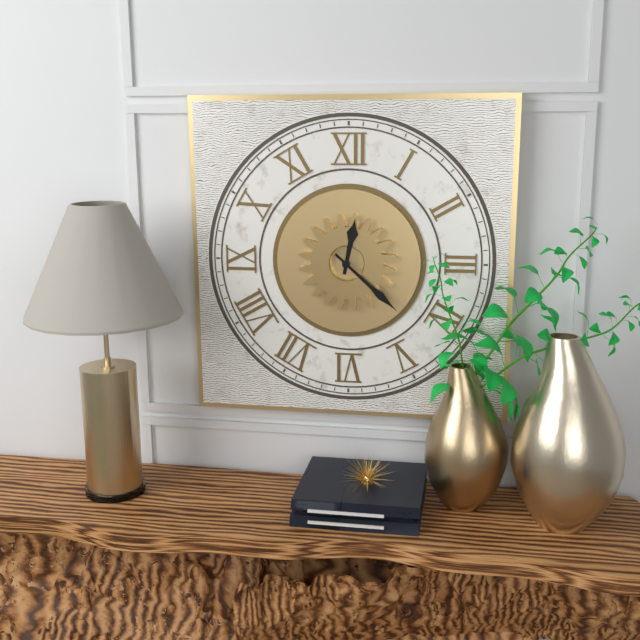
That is 12.22
